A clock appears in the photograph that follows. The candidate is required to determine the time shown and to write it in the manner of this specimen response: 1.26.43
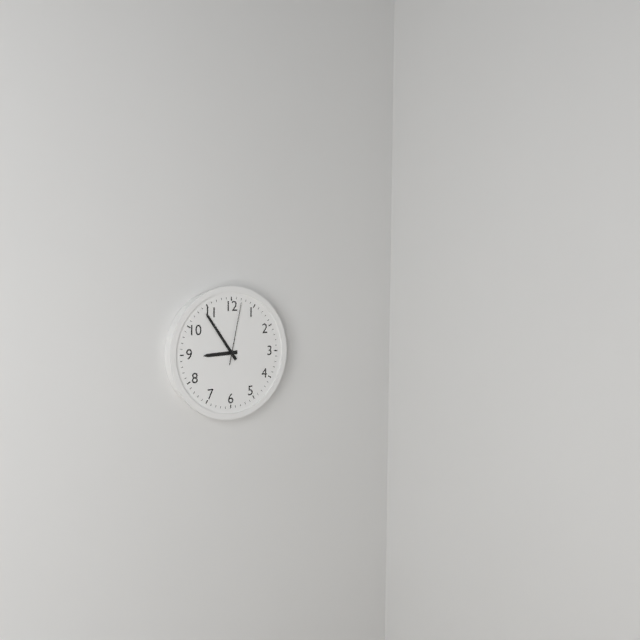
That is 8.54.02
